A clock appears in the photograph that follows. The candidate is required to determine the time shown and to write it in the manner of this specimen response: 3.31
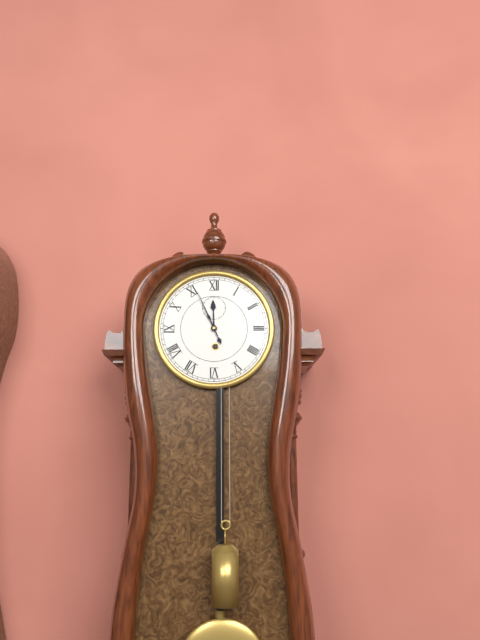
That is 11.56
